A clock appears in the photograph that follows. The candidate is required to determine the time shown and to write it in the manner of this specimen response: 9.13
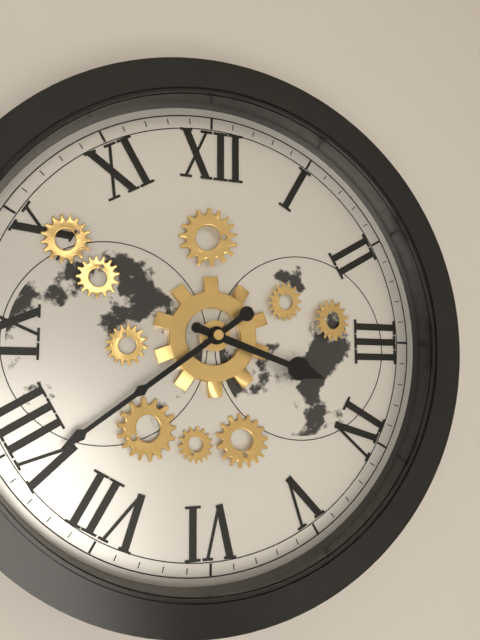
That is 3.39
